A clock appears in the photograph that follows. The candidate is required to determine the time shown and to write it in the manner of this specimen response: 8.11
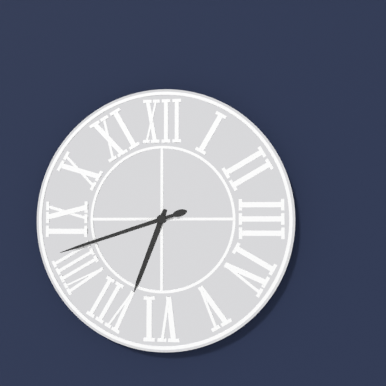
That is 6.42
